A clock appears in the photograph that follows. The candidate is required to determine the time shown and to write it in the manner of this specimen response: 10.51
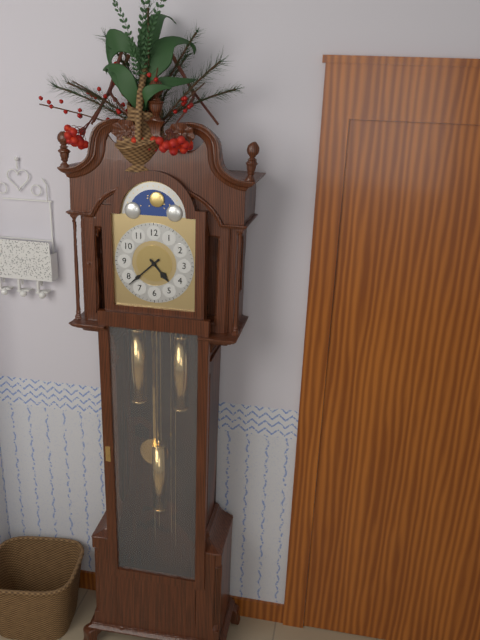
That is 4.38
